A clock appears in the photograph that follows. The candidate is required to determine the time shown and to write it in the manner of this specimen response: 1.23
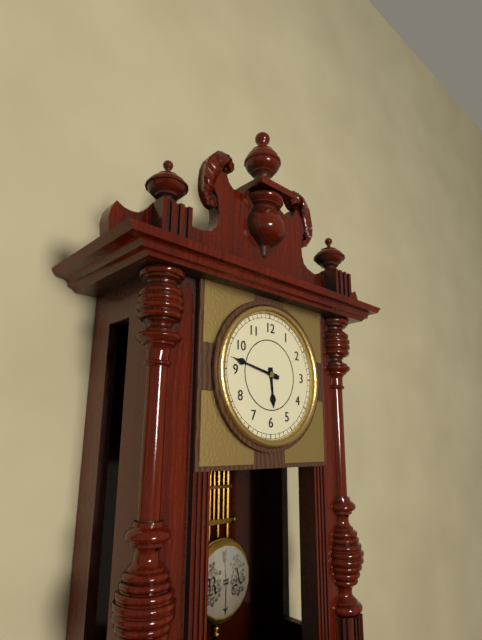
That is 5.47
